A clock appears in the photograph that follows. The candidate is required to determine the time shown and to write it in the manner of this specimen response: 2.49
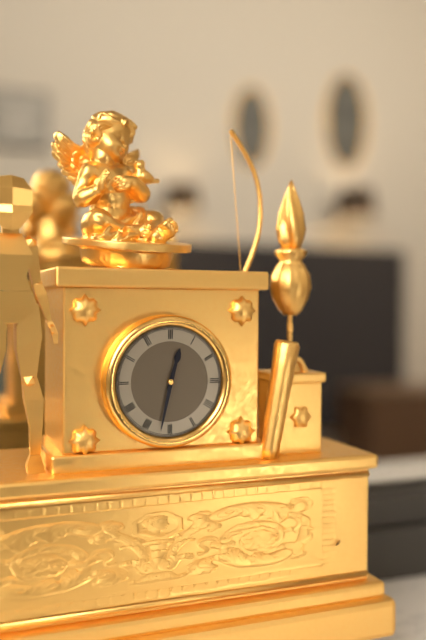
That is 12.32
